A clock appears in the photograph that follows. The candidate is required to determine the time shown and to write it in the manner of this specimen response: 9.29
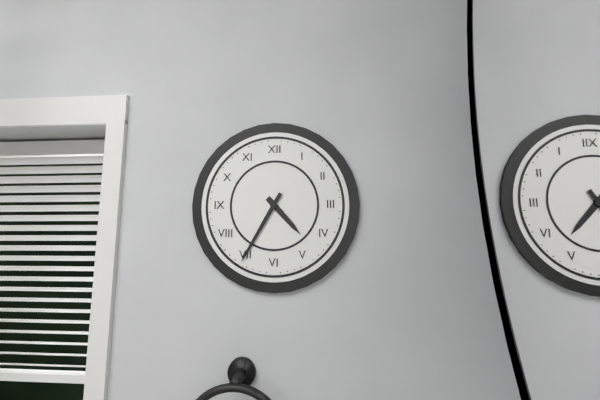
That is 4.35
